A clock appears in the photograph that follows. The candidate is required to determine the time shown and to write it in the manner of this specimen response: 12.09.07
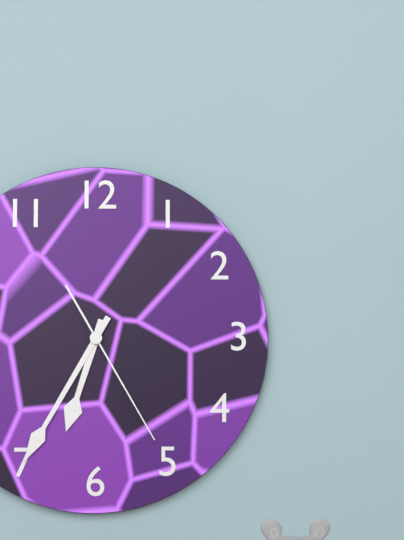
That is 6.35.25
